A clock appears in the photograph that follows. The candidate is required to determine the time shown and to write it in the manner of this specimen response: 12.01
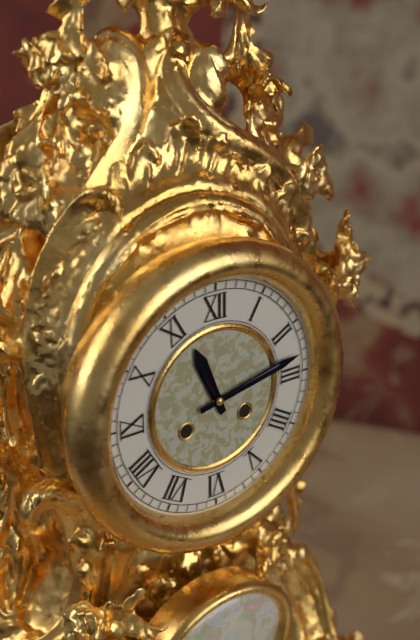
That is 11.13
